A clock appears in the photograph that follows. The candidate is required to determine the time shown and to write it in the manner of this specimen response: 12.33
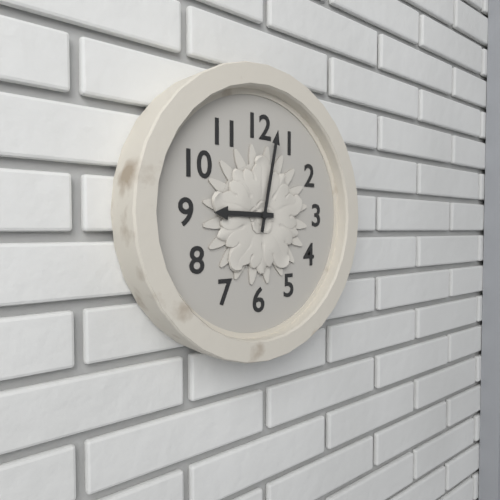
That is 9.02
